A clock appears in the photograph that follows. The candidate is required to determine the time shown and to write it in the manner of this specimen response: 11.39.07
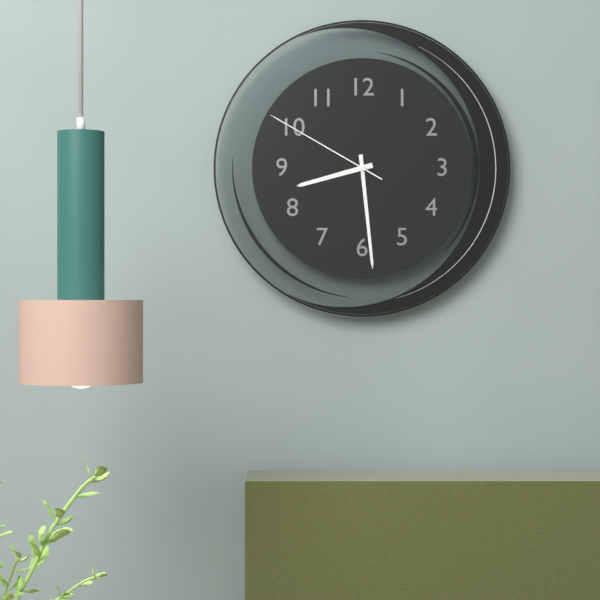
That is 8.29.50
